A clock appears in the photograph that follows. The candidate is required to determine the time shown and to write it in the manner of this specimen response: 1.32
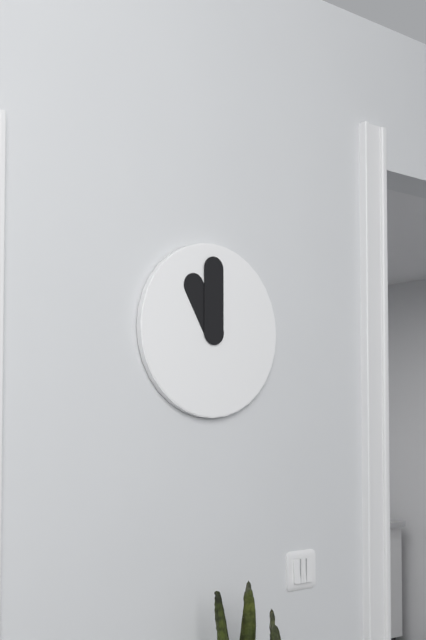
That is 11.00
